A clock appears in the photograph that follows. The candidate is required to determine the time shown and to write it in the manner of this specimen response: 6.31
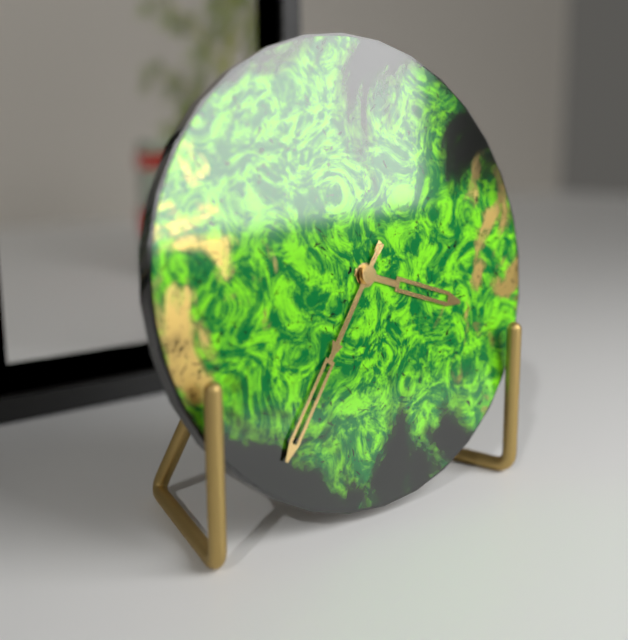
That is 3.36
